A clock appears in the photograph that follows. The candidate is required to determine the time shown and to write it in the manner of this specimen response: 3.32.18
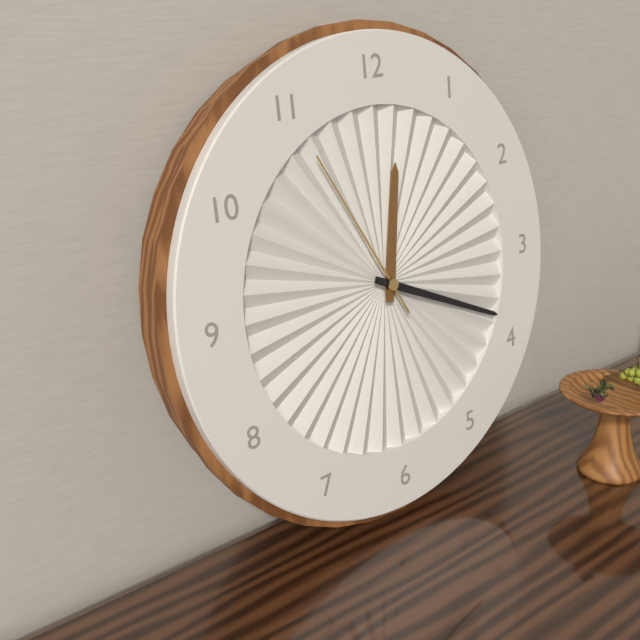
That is 12.19.55
